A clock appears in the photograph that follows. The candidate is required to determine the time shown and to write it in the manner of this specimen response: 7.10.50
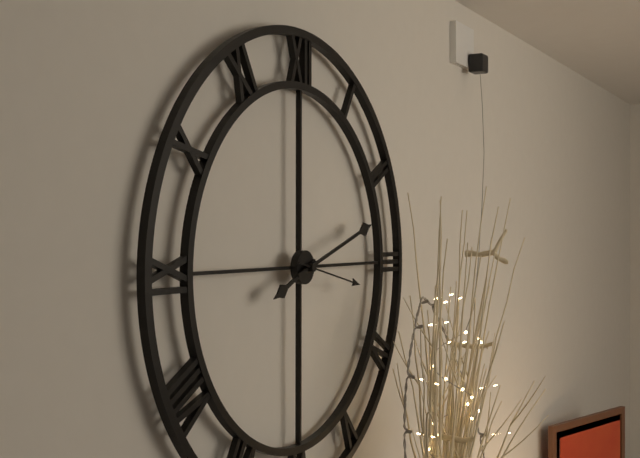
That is 8.12.17
